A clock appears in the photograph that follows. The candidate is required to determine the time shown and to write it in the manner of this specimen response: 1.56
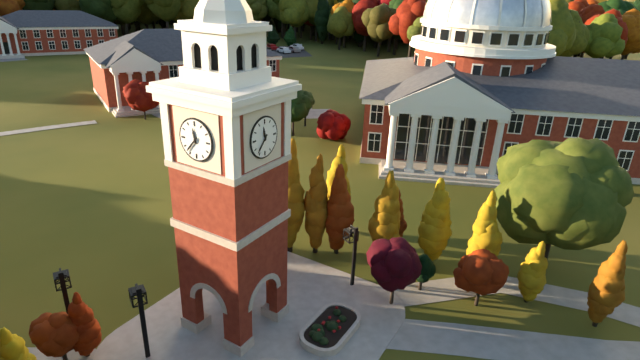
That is 11.37
